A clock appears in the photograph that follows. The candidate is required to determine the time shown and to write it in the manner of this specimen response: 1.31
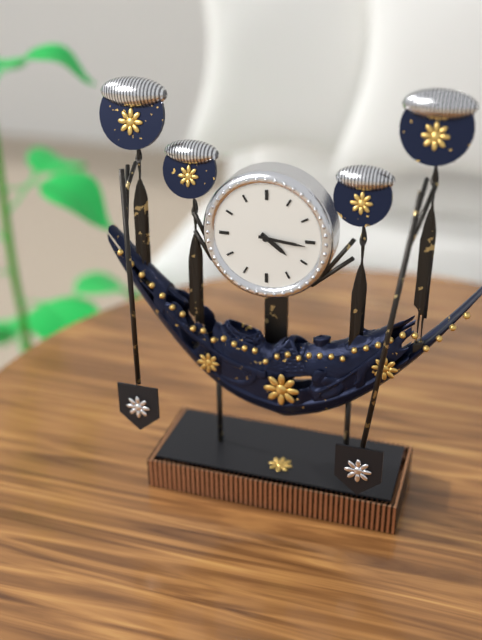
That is 4.16
